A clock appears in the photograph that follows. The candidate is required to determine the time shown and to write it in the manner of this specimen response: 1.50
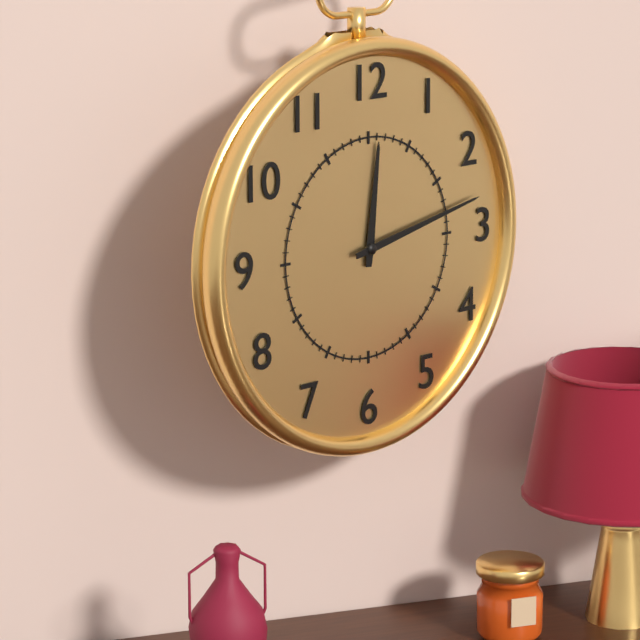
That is 12.13
